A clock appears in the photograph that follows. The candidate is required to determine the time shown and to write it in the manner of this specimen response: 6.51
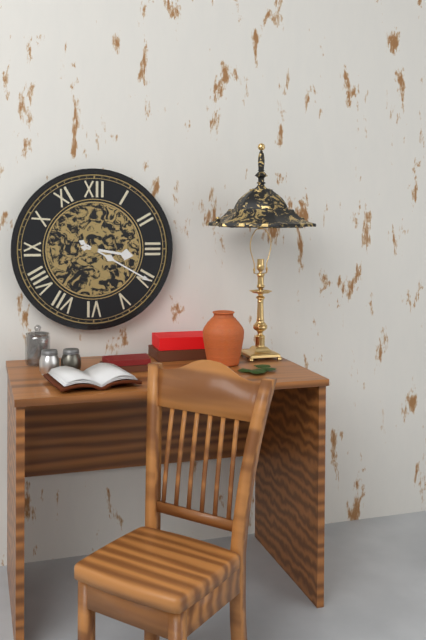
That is 3.20
